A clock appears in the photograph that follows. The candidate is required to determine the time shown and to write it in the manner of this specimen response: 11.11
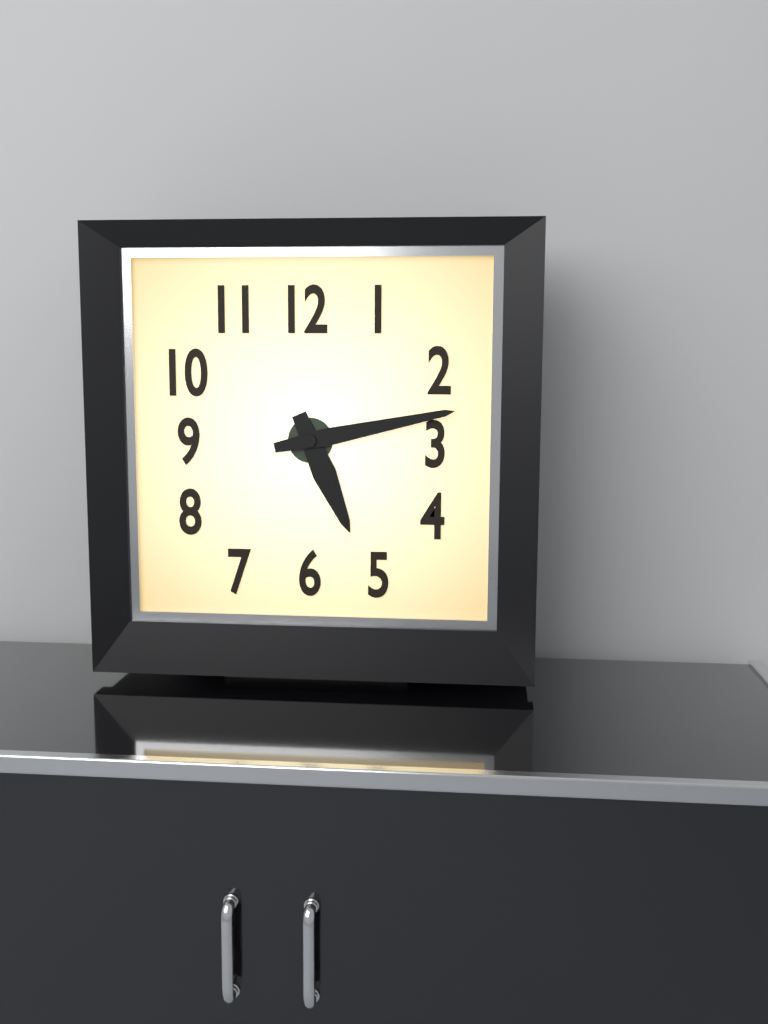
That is 5.13
